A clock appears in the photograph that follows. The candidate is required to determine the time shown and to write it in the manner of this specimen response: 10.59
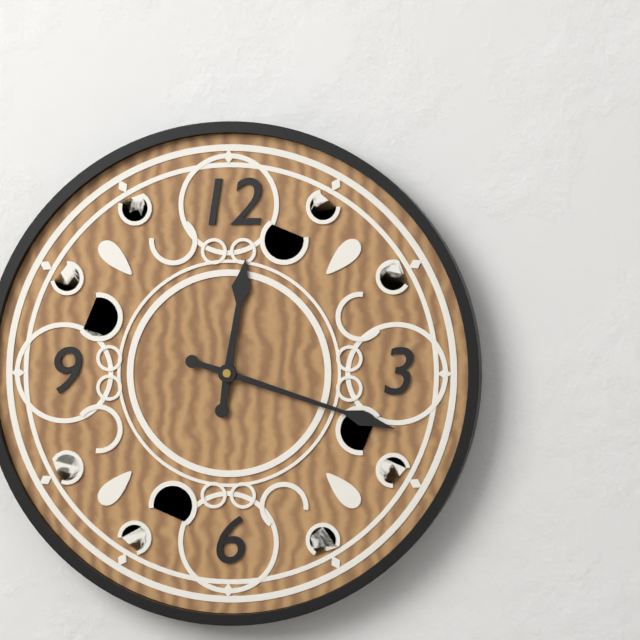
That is 12.18
